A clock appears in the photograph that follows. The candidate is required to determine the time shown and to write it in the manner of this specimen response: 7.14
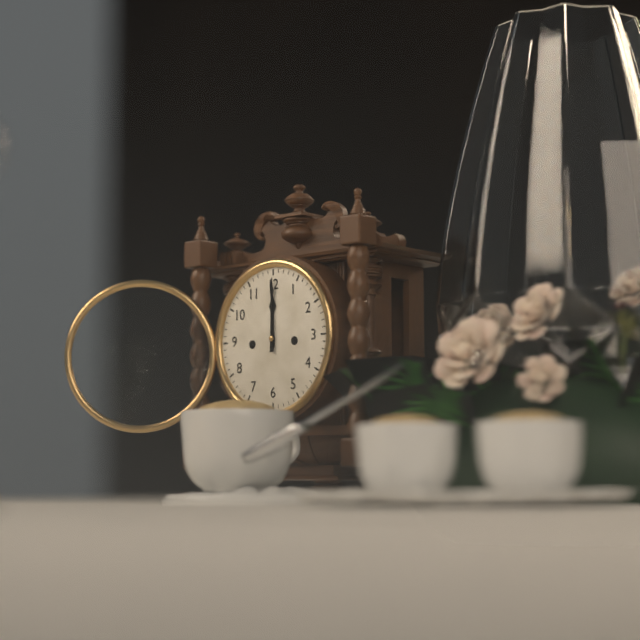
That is 12.00
